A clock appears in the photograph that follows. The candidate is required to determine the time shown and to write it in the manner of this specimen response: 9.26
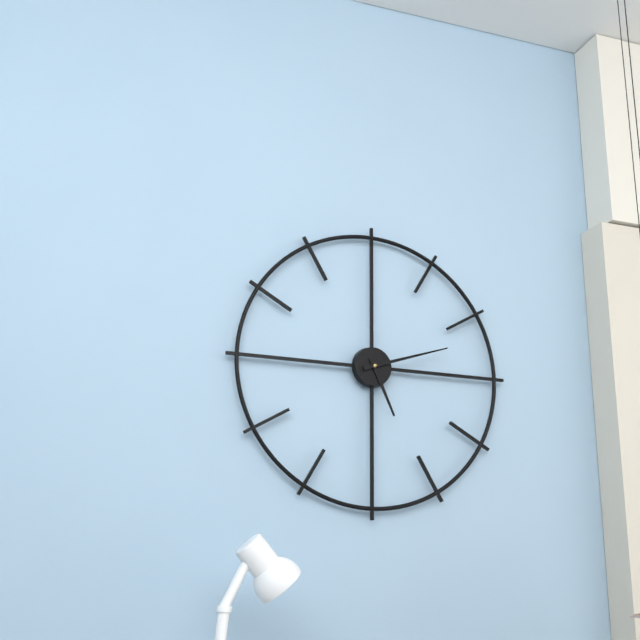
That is 5.12
